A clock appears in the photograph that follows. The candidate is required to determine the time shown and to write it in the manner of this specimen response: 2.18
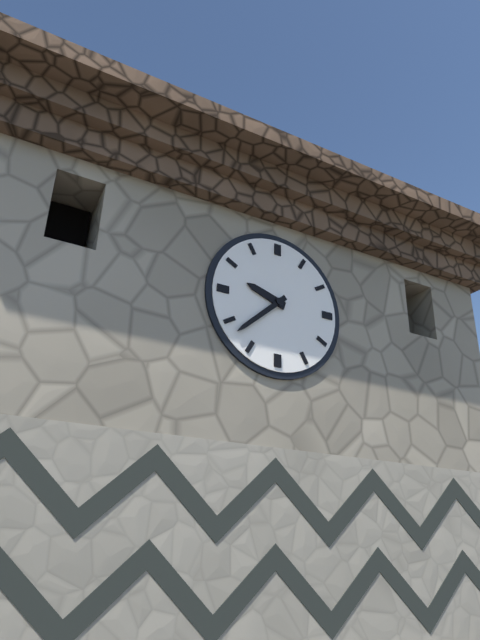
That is 9.38
